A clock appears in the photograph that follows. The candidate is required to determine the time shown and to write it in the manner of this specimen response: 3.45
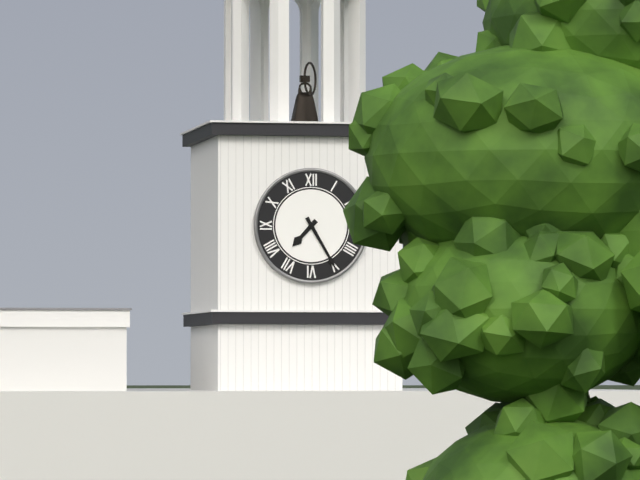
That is 7.25
